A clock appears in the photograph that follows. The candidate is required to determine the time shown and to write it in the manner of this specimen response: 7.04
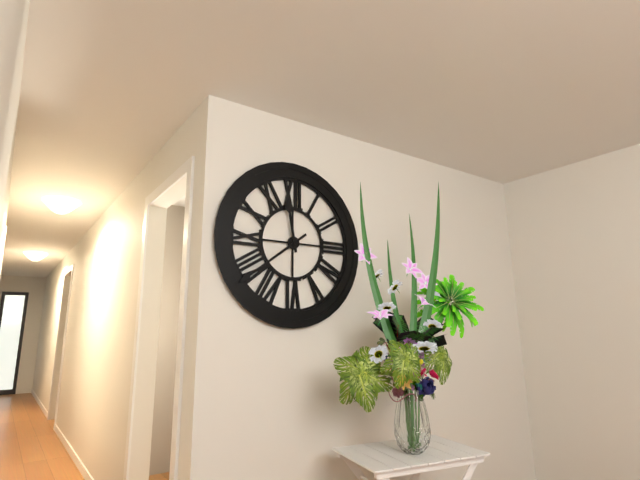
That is 11.39
